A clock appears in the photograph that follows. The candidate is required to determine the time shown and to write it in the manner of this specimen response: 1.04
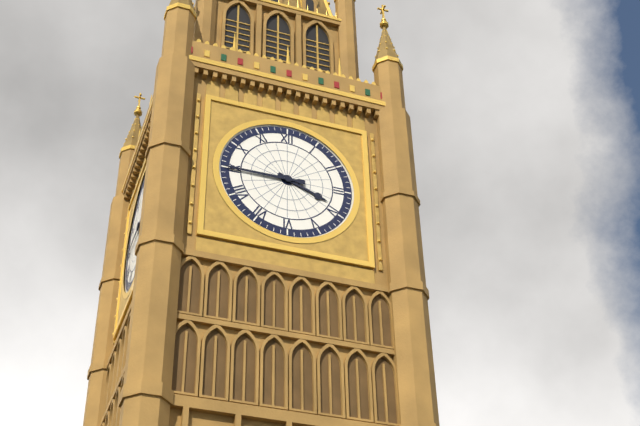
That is 3.45
